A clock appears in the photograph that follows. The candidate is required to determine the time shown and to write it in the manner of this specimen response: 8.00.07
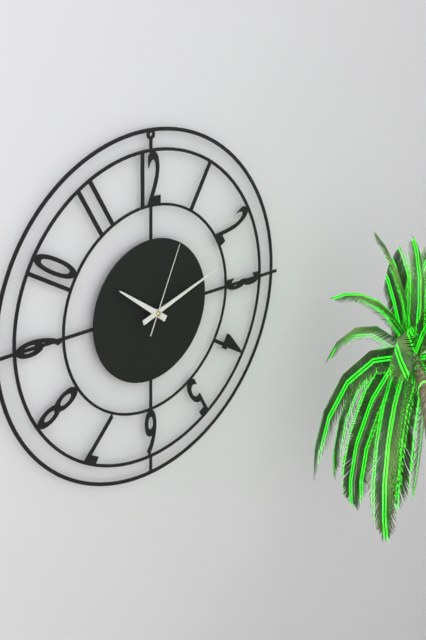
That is 10.12.04
